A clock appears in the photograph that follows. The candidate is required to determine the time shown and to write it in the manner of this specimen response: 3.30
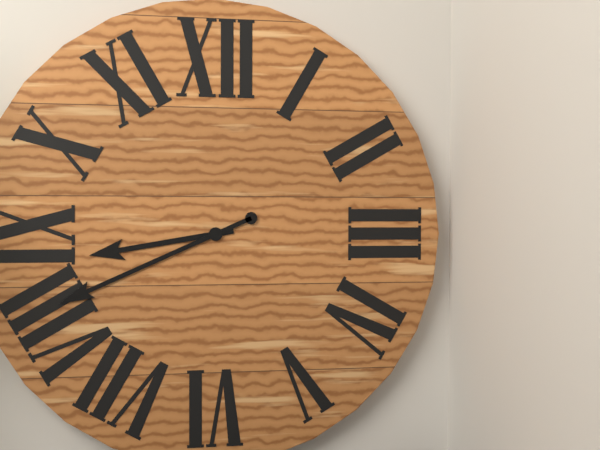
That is 8.41
